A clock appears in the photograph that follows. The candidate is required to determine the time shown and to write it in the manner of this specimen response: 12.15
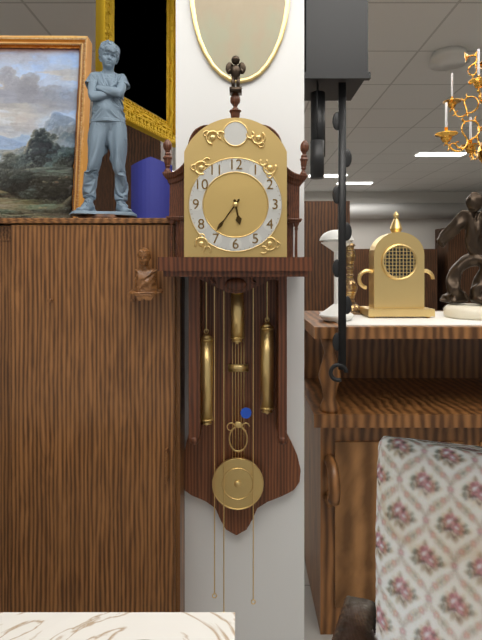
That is 5.36
